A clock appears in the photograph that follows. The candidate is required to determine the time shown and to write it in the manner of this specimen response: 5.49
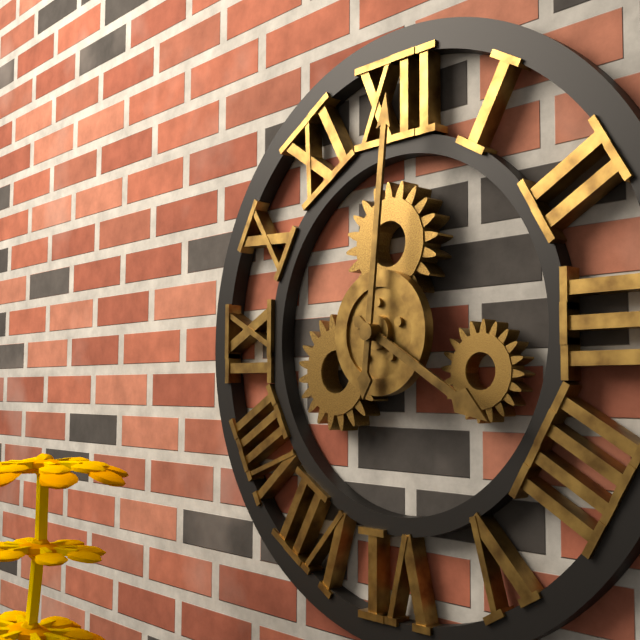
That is 4.01
